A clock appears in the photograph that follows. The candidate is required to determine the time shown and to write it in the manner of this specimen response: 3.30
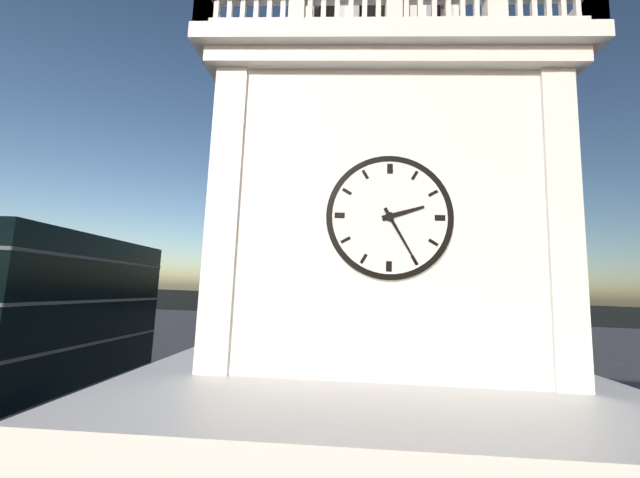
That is 2.25
